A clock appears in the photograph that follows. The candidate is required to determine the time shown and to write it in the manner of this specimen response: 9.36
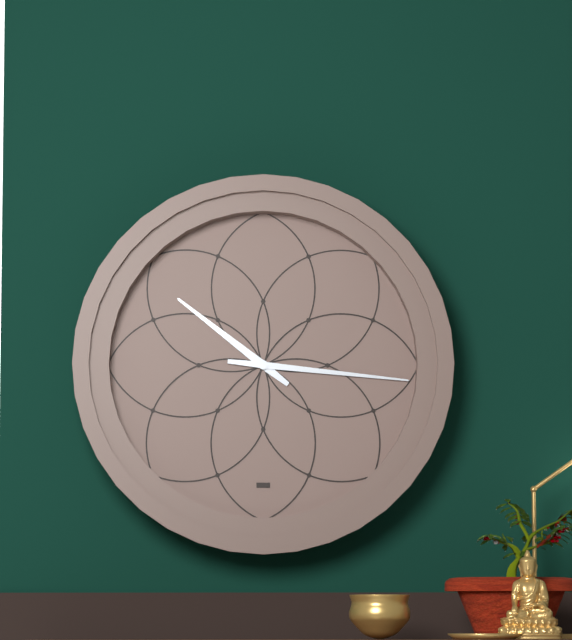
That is 10.16
